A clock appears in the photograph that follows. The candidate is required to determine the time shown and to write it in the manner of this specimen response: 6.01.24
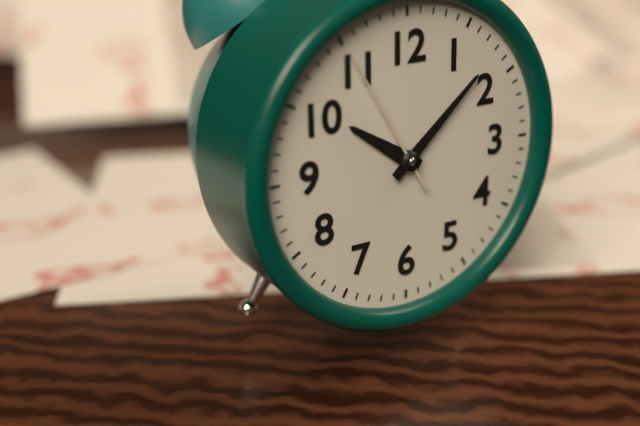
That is 10.08.55
